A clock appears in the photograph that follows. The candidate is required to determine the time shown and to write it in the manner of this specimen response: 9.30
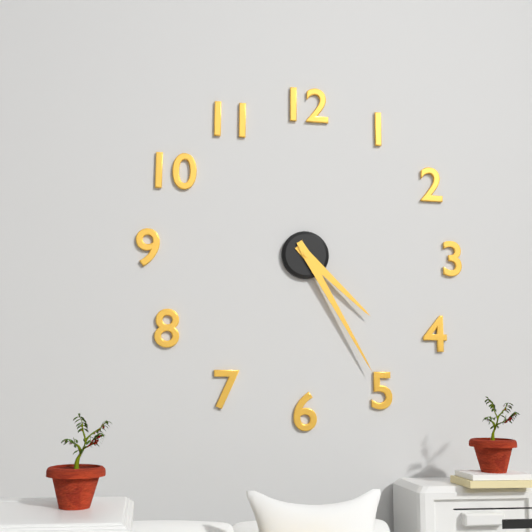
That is 4.25
